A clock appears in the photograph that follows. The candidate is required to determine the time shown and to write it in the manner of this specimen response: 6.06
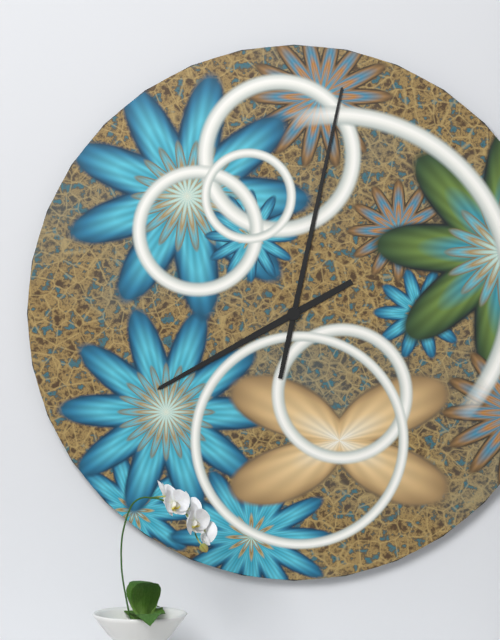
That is 8.02
